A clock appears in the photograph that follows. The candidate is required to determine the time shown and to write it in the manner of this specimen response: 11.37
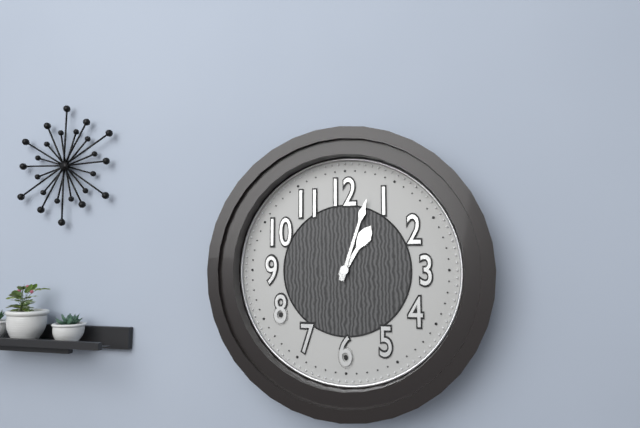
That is 1.03
